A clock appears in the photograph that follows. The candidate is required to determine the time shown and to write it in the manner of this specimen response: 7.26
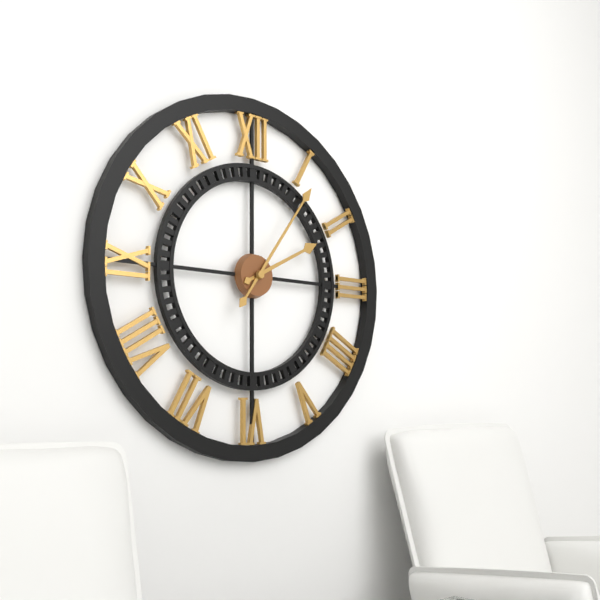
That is 2.06
